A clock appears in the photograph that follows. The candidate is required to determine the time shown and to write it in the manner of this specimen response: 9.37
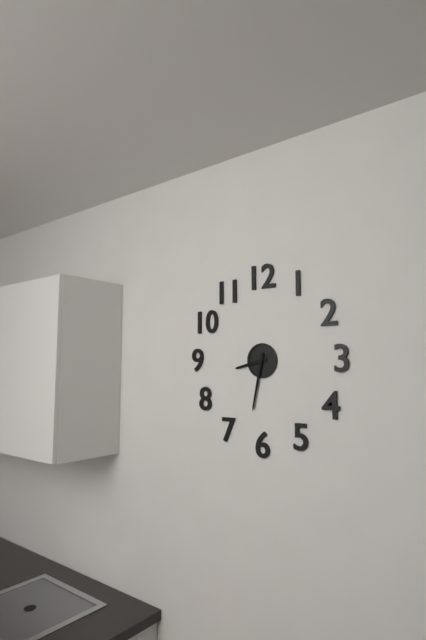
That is 8.32
